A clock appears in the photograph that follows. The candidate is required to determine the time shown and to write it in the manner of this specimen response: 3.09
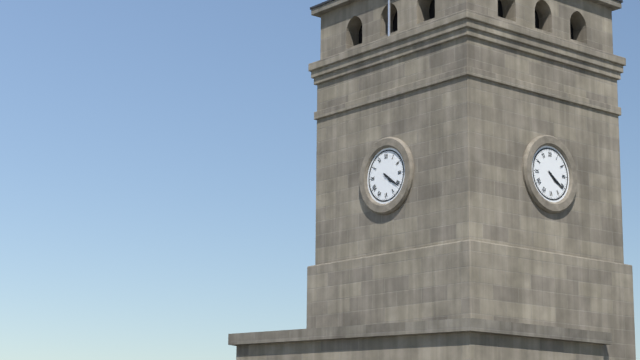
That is 4.21
